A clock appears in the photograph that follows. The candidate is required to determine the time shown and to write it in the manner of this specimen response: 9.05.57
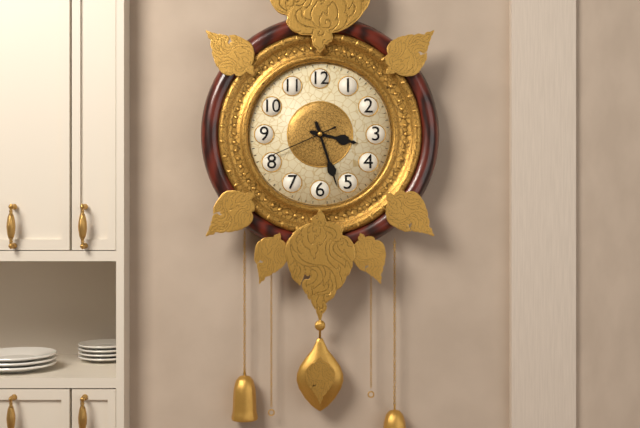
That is 3.27.41
